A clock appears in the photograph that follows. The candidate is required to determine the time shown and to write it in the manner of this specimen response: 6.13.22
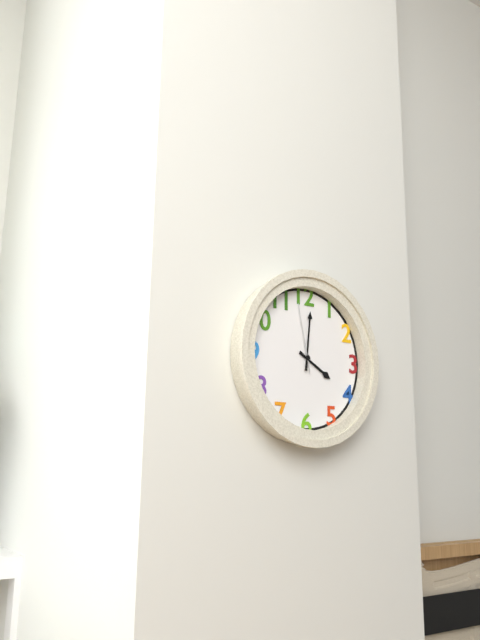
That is 4.01.58
